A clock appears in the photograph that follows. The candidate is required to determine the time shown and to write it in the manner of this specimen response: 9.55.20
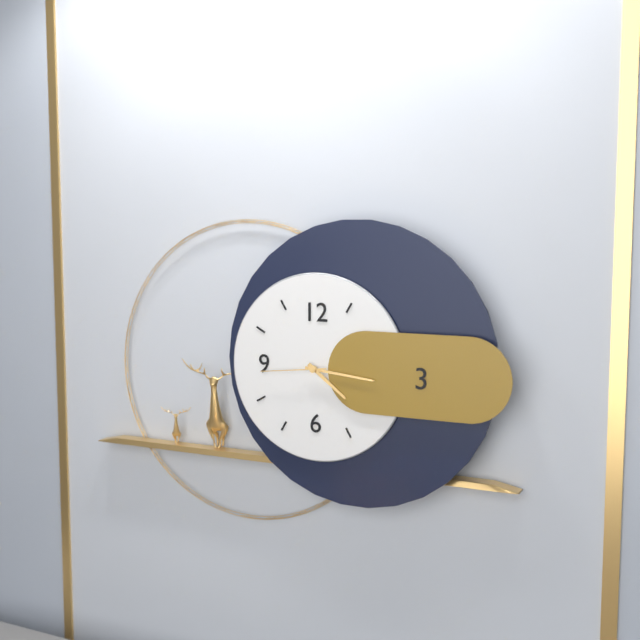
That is 4.16.44
